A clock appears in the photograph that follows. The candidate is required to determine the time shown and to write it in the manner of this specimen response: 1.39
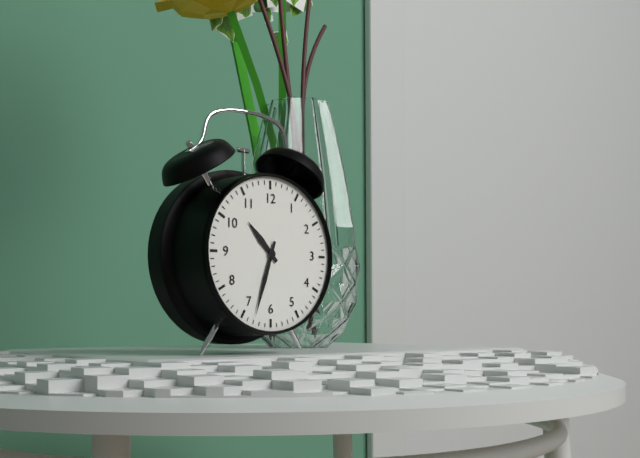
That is 10.33
